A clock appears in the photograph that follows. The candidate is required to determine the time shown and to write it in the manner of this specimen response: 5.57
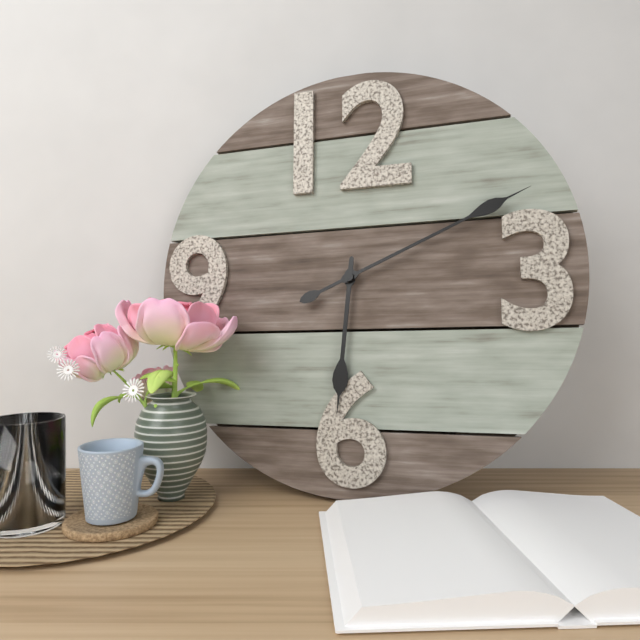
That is 6.11
